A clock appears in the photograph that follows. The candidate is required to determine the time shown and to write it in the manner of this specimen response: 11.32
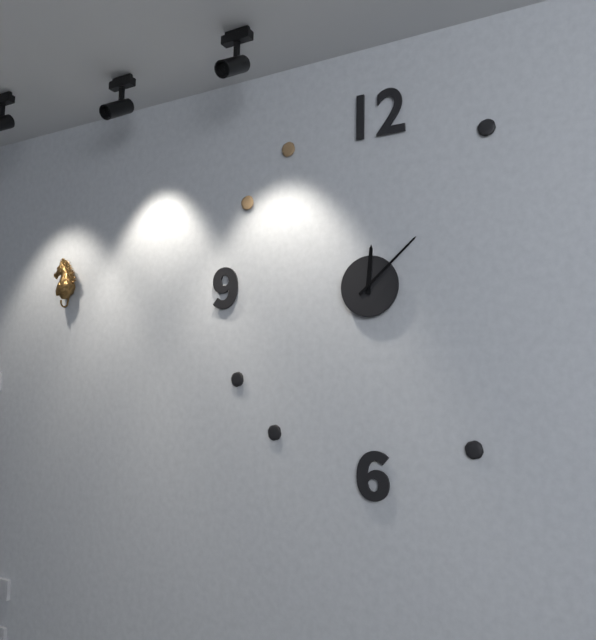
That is 12.08
